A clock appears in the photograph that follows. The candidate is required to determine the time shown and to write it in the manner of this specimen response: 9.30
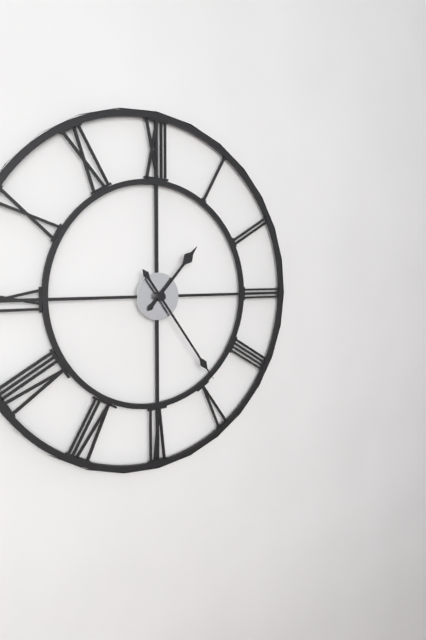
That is 1.24
